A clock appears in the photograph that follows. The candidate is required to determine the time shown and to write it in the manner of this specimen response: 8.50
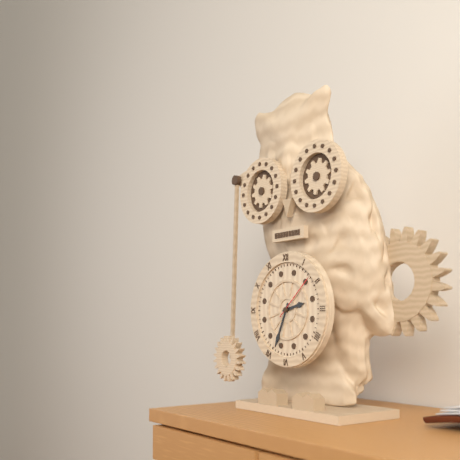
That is 2.34
